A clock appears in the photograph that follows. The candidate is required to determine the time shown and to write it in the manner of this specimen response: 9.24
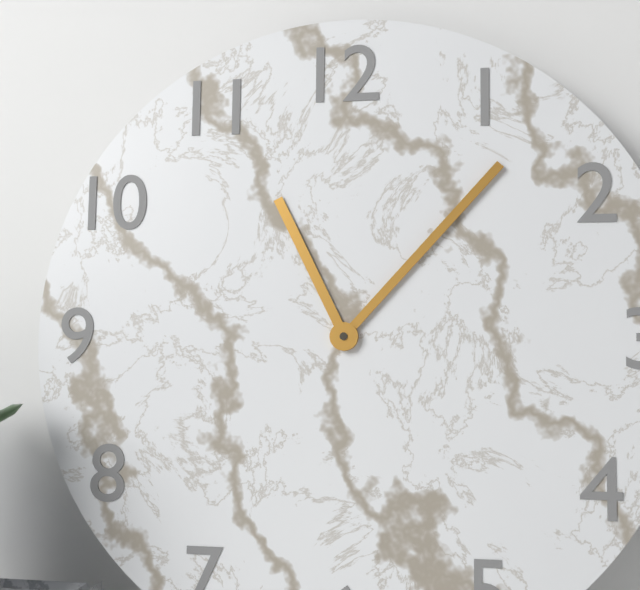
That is 11.07
